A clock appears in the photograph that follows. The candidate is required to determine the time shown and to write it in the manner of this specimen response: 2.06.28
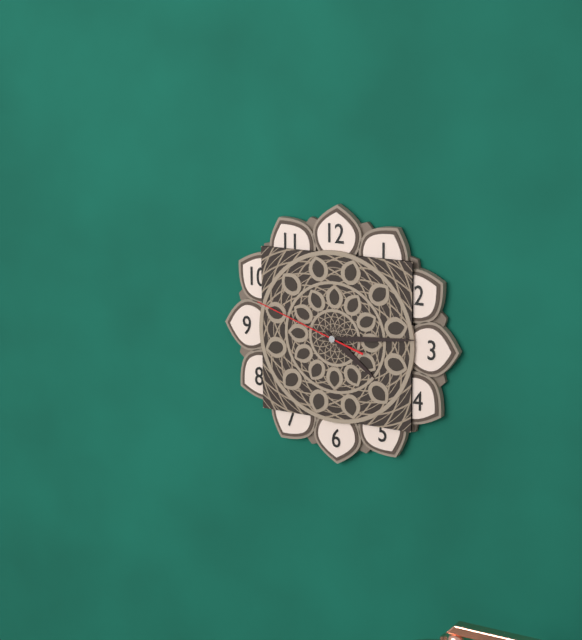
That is 4.14.48
